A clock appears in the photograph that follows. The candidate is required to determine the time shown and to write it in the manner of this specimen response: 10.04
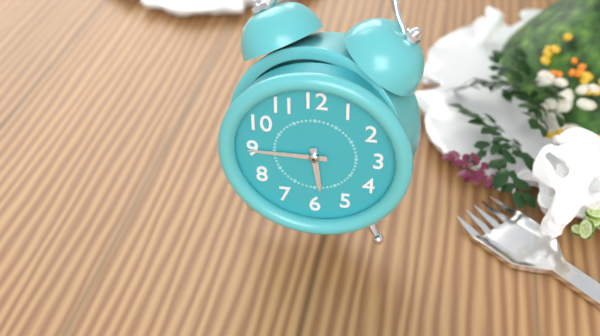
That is 5.45
